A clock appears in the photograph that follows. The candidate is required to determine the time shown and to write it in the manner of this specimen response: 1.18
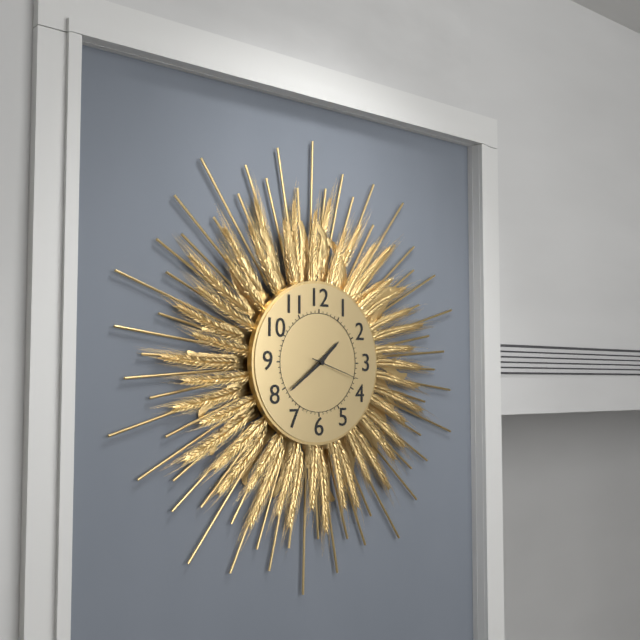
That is 1.39
